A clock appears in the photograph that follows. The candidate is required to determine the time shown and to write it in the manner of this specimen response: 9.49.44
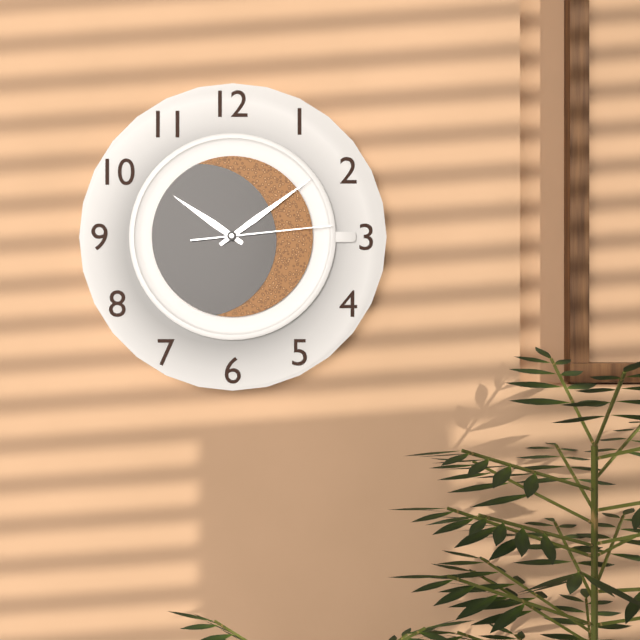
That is 10.09.14
